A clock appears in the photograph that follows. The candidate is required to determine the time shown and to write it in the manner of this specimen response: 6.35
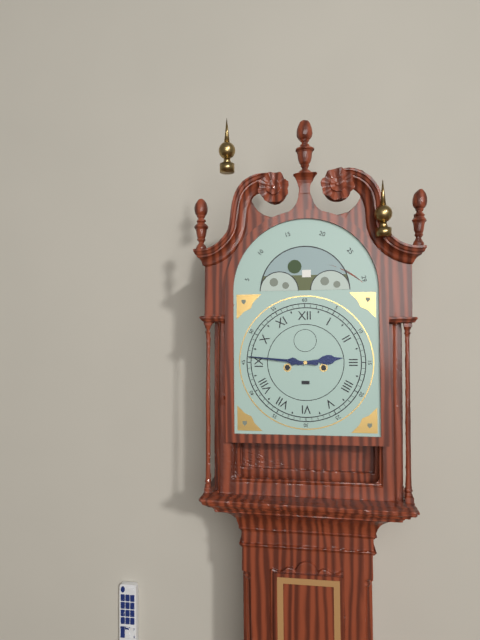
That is 2.46
